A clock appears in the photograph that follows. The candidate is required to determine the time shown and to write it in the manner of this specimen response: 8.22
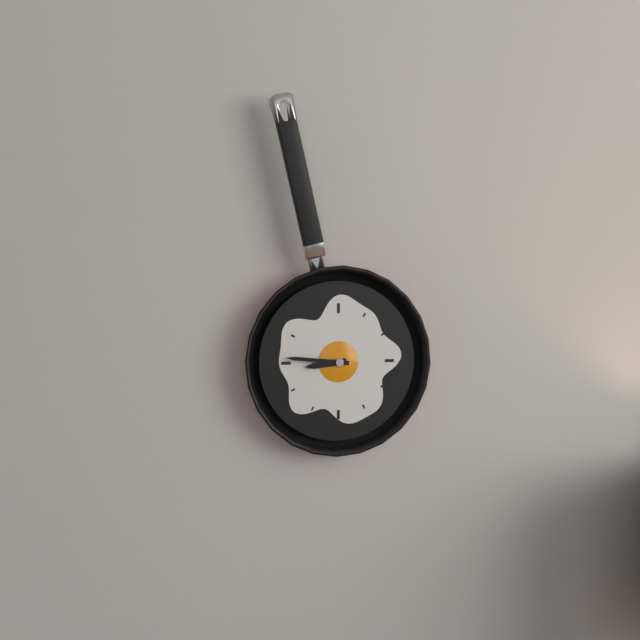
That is 8.46
